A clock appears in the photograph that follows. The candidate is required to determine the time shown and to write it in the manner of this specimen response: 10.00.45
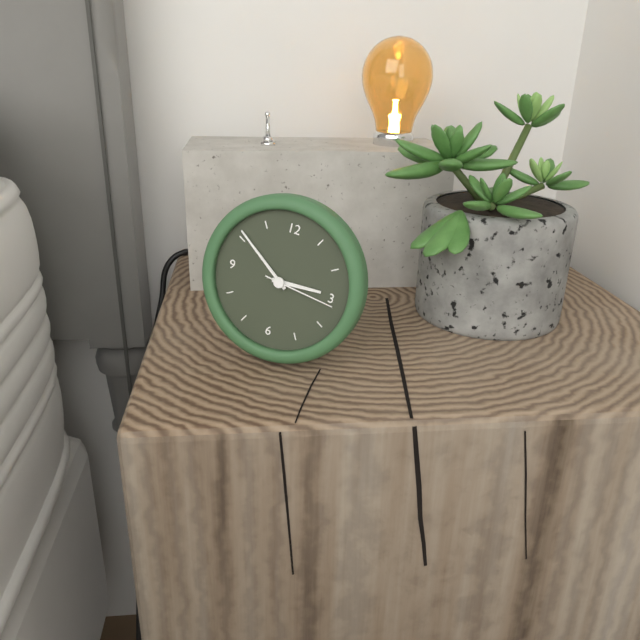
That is 2.51.16
